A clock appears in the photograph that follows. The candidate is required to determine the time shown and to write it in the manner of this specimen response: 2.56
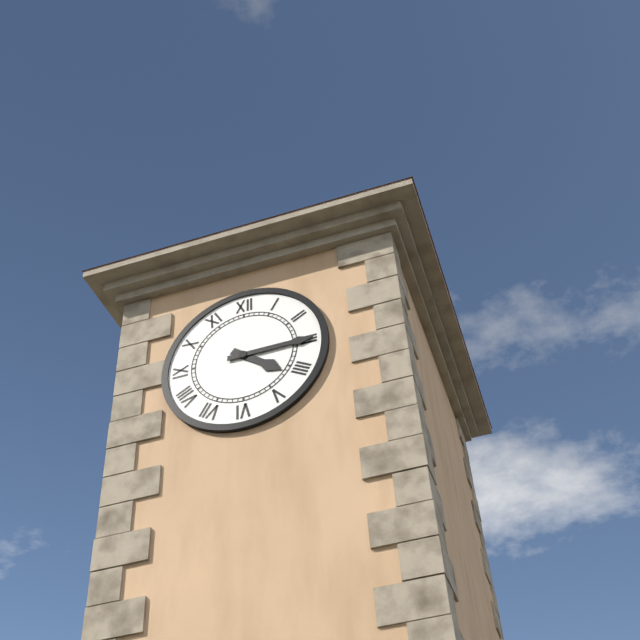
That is 4.15
